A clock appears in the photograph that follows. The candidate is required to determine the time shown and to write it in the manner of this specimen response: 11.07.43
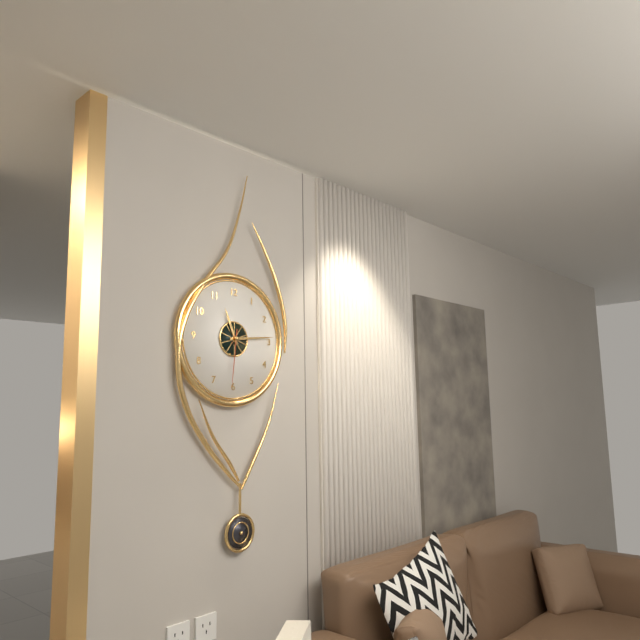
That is 11.14.31
